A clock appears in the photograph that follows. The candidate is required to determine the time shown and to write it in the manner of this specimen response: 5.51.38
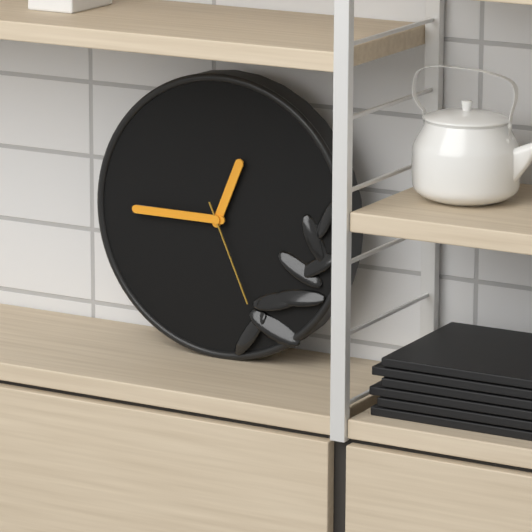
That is 12.45.26
